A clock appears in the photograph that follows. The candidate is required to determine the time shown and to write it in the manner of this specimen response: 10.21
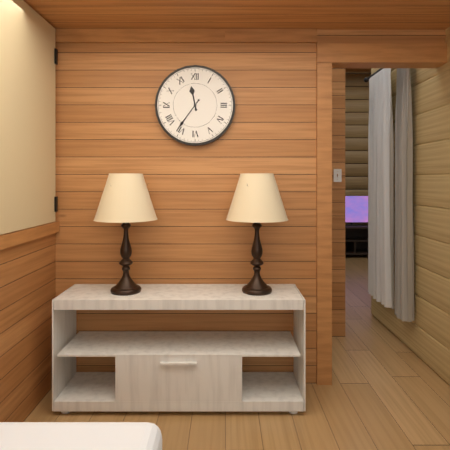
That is 11.36
